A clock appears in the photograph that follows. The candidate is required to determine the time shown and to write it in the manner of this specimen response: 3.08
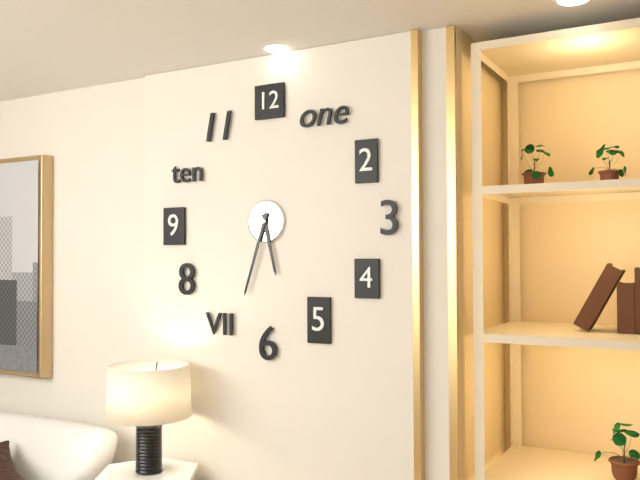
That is 5.33
